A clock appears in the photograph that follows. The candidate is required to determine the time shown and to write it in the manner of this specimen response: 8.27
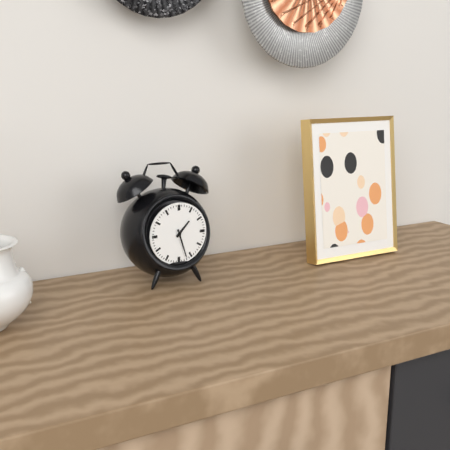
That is 1.27
